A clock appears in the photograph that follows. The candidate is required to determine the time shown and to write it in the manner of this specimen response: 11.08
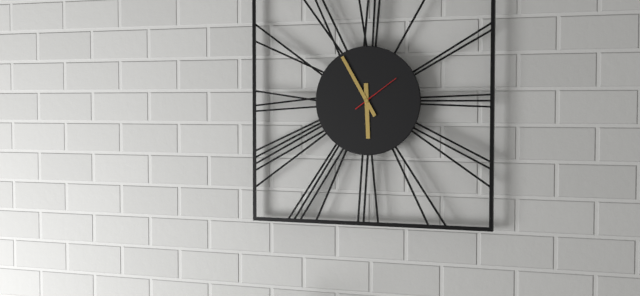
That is 5.55
